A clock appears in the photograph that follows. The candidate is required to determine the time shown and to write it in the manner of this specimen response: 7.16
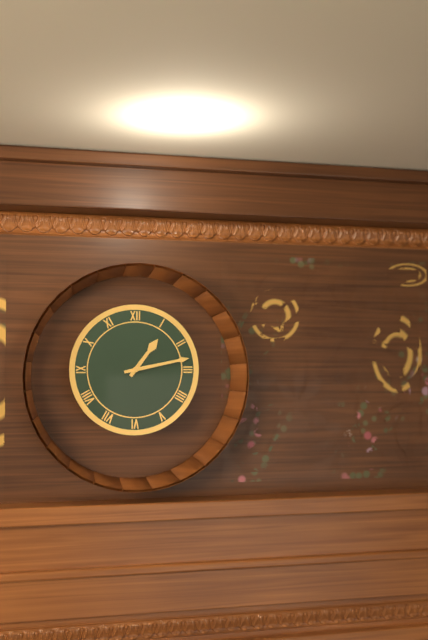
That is 1.13
